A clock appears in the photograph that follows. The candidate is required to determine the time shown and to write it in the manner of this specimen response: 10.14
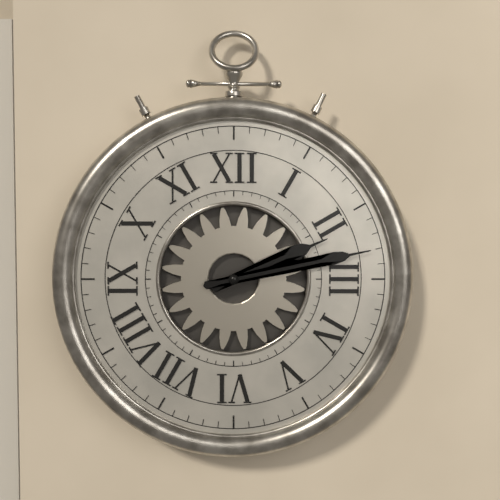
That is 2.13
